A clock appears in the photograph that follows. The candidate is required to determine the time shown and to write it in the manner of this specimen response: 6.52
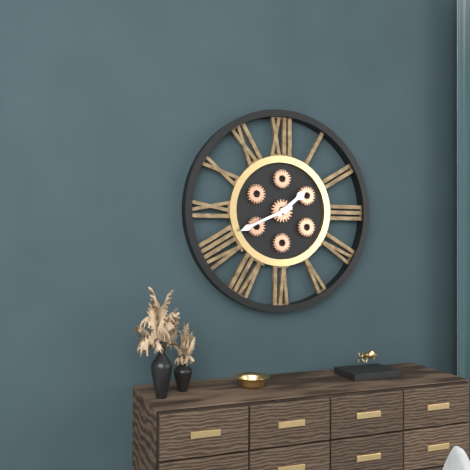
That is 1.41
